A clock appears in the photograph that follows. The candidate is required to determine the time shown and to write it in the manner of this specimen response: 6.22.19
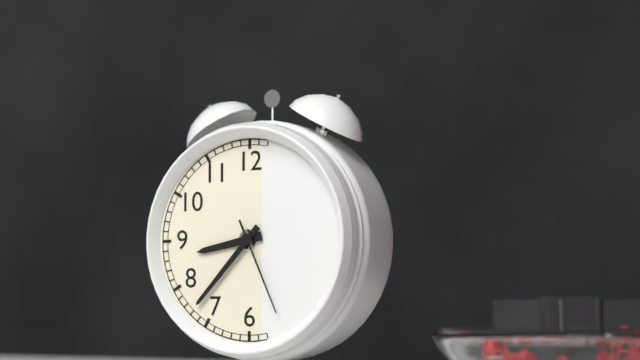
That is 8.37.26
